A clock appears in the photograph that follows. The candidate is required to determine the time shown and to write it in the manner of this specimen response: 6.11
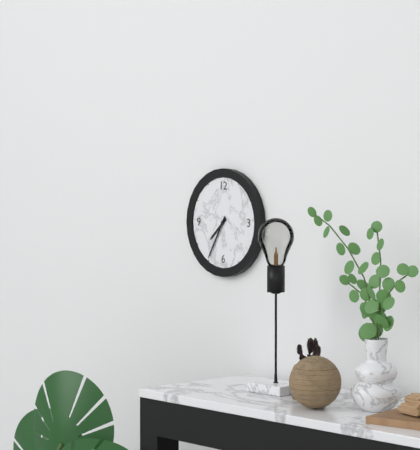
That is 7.35
